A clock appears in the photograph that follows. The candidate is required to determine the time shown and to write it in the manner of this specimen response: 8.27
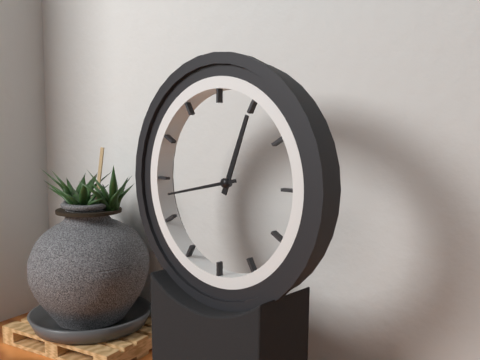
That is 12.43
